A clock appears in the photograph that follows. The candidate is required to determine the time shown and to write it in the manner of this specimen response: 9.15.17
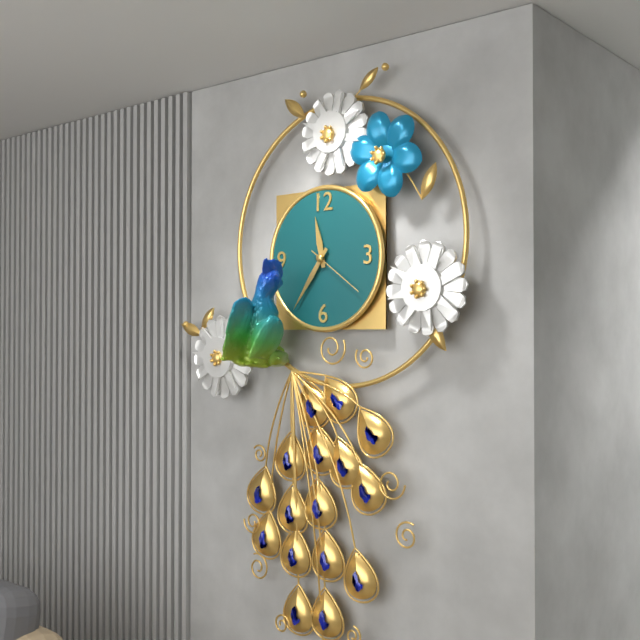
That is 11.36.21
